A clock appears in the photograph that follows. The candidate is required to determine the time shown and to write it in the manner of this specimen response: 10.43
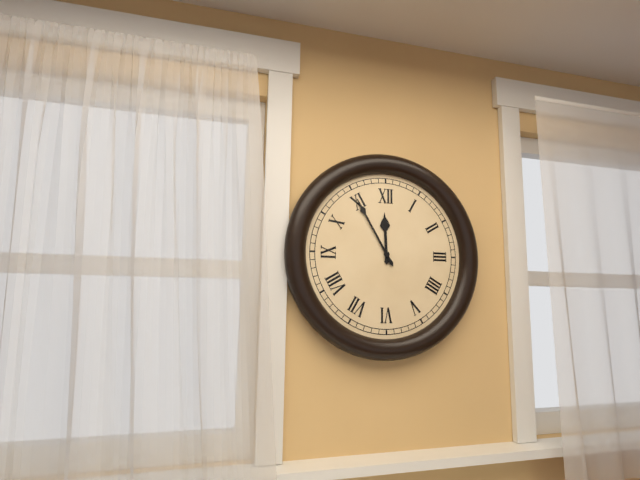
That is 11.55
